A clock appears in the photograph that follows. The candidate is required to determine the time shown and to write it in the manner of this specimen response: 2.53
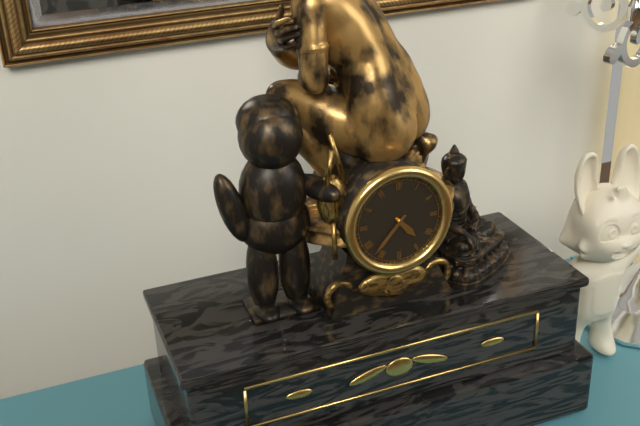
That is 4.37
